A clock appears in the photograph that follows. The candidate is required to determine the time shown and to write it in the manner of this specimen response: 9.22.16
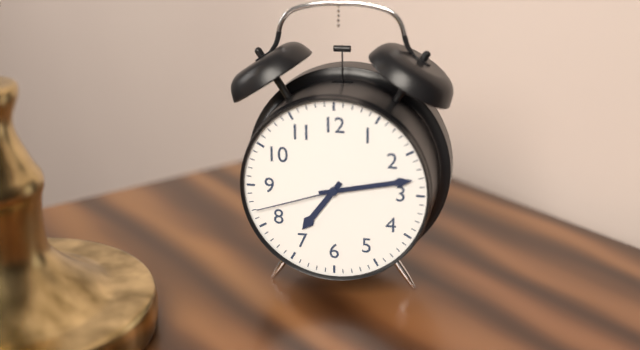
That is 7.13.42
